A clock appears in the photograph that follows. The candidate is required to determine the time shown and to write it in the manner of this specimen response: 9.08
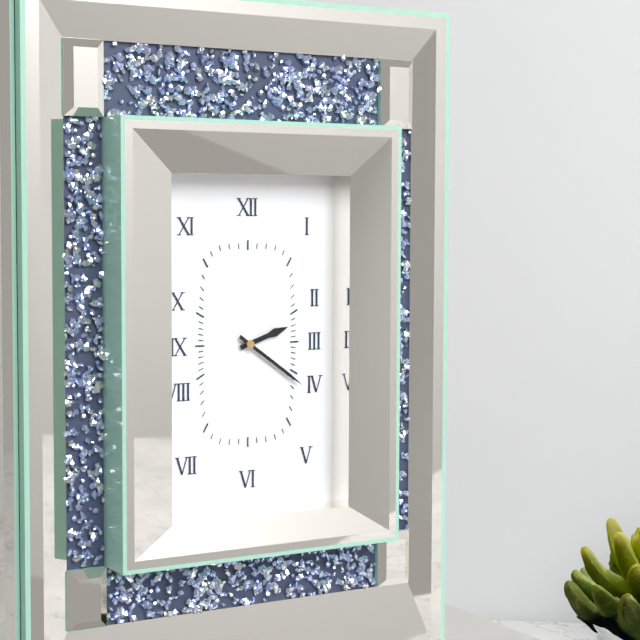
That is 2.21
